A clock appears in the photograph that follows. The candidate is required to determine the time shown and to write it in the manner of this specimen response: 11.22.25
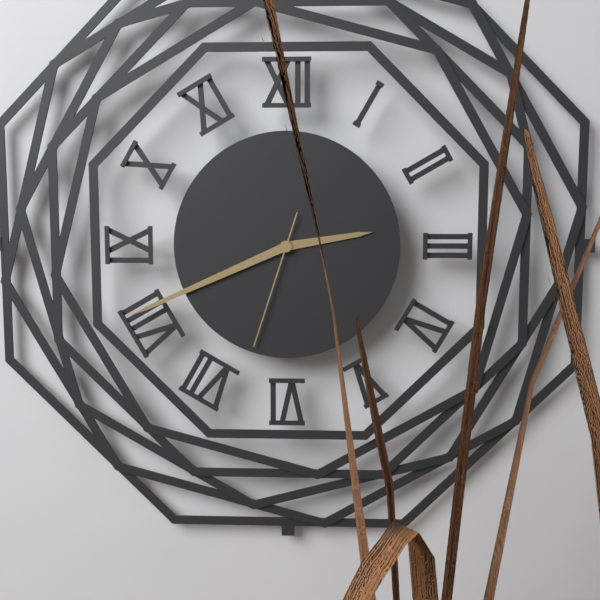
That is 2.41.33
